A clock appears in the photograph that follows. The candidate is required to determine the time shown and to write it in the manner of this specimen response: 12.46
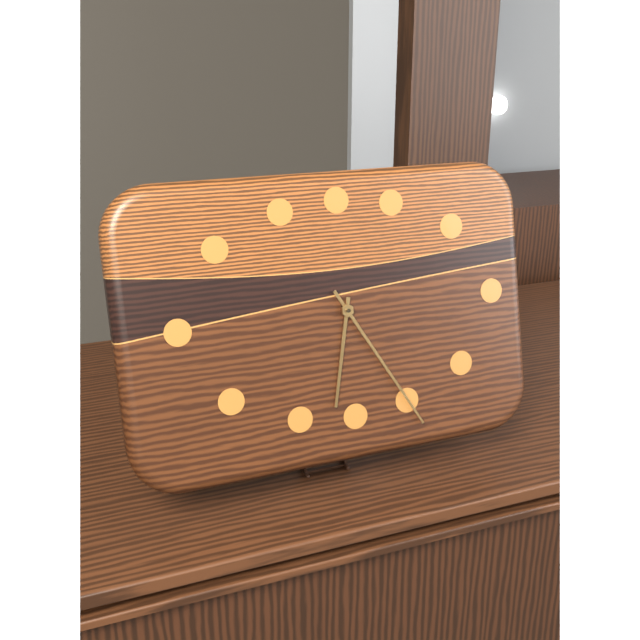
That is 6.25
